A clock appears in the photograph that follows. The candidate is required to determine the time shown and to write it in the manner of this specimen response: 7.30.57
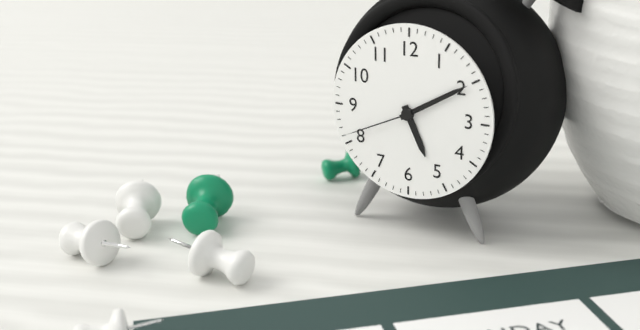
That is 5.10.41
